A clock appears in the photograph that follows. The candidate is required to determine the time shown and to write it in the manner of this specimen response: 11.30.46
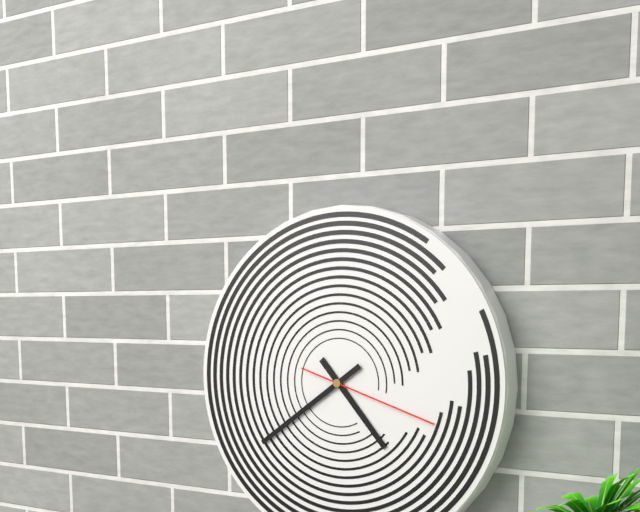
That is 4.39.18
